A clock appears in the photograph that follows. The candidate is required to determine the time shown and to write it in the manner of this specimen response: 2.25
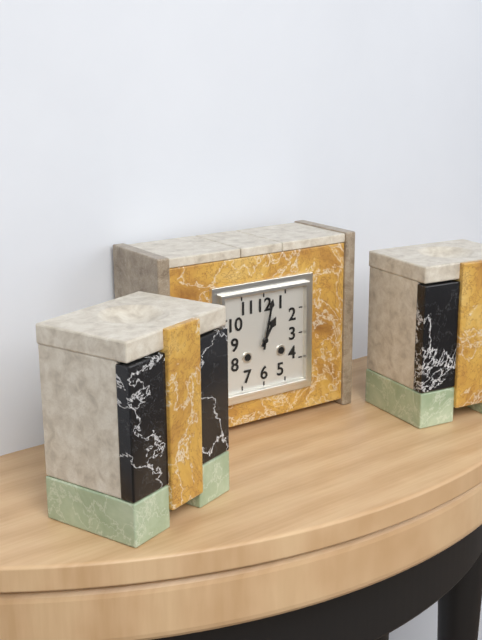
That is 1.02
